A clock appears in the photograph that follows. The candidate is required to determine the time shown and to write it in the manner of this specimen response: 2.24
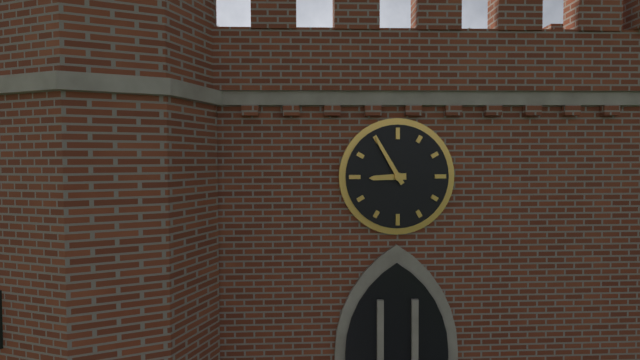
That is 8.55
